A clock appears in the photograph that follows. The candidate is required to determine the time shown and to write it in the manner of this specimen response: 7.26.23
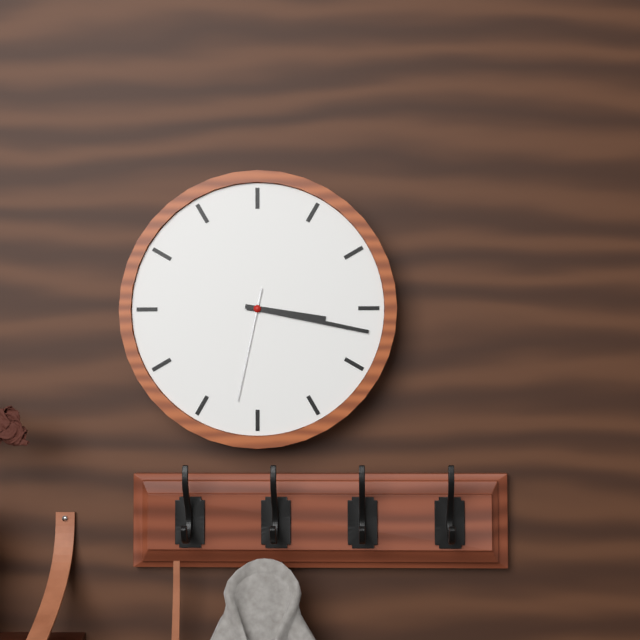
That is 3.17.32
